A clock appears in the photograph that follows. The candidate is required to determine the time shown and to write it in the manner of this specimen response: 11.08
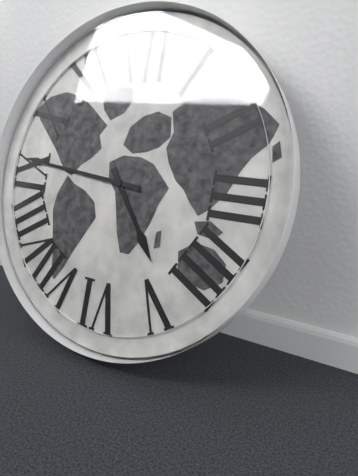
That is 4.46
